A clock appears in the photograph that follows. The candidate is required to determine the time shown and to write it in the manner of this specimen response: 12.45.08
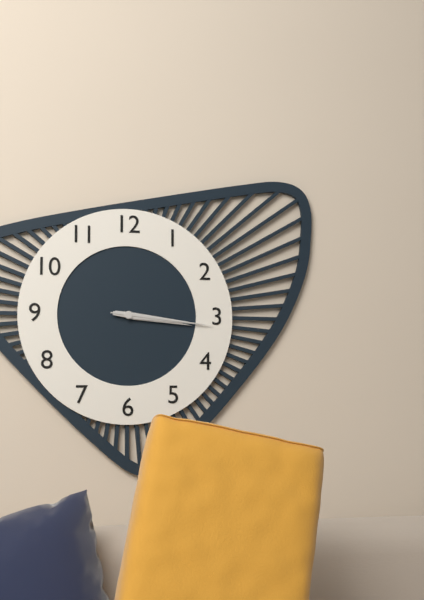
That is 3.16.16
